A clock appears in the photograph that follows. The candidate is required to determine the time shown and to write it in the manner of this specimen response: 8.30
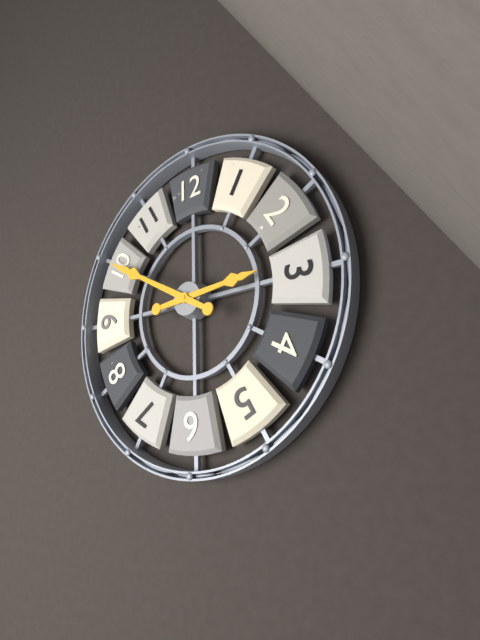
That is 2.50
